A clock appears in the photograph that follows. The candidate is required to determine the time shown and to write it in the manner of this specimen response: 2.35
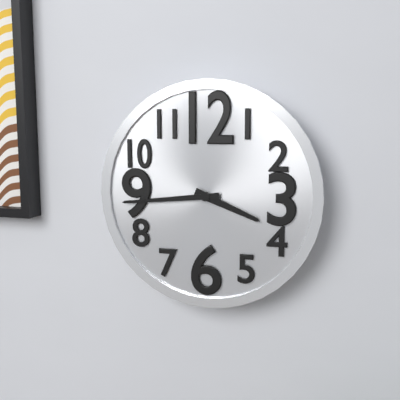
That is 3.44
